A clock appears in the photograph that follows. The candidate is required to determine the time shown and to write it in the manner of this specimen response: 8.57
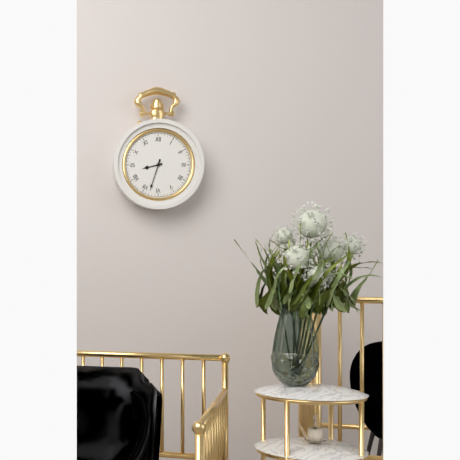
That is 8.33
